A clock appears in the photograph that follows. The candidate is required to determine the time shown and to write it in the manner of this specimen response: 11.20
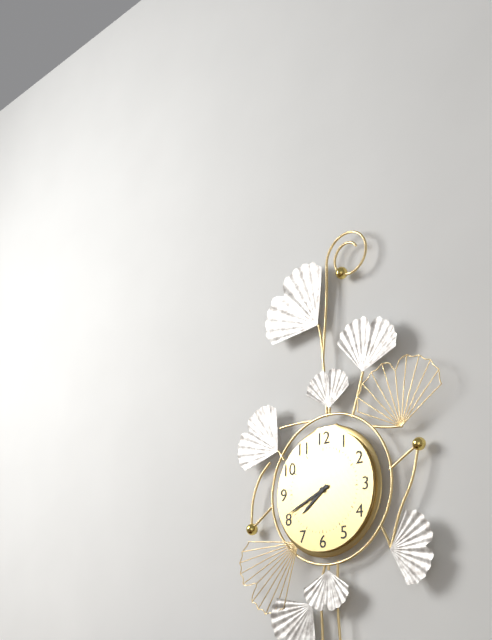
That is 7.41
